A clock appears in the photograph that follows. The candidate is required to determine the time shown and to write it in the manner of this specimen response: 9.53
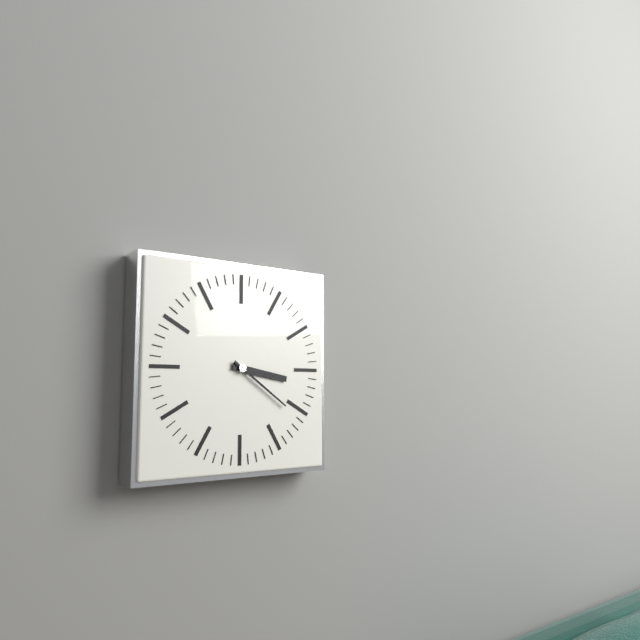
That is 3.21
